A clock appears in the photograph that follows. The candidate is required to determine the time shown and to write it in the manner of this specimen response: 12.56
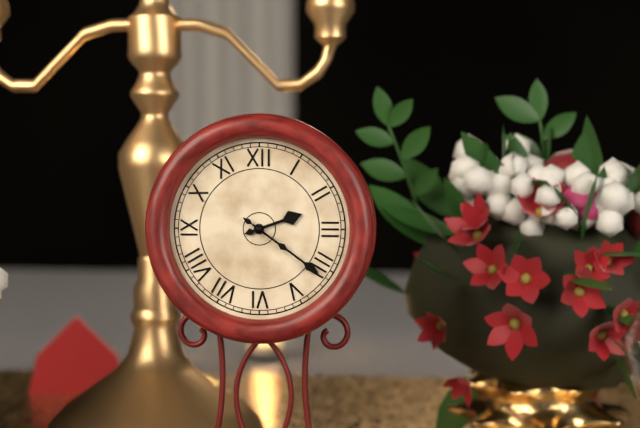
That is 2.21
